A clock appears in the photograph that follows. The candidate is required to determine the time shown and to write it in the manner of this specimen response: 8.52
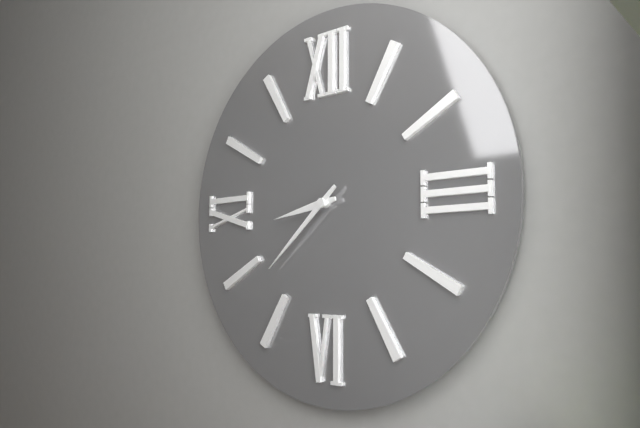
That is 8.38
